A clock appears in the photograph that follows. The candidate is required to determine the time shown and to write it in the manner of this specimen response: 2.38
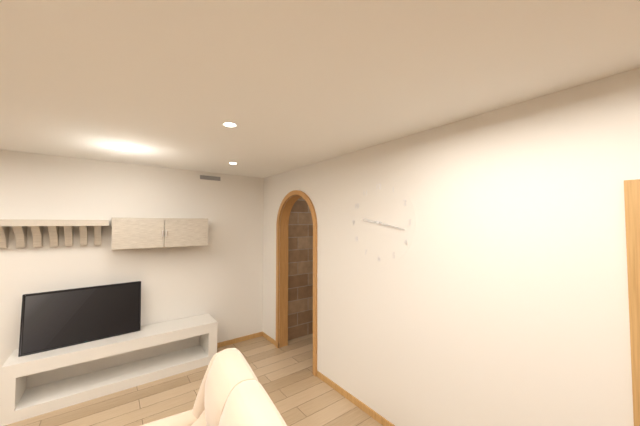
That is 9.17
